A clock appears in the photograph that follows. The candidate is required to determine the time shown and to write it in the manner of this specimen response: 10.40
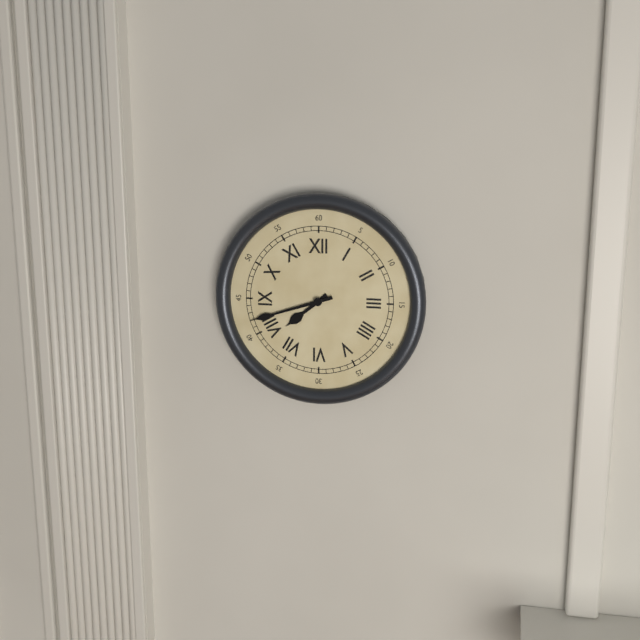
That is 7.42
